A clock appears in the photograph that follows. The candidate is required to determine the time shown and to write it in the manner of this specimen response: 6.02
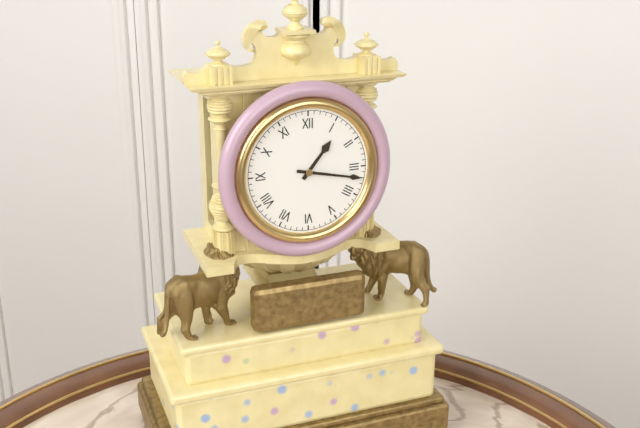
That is 1.17
